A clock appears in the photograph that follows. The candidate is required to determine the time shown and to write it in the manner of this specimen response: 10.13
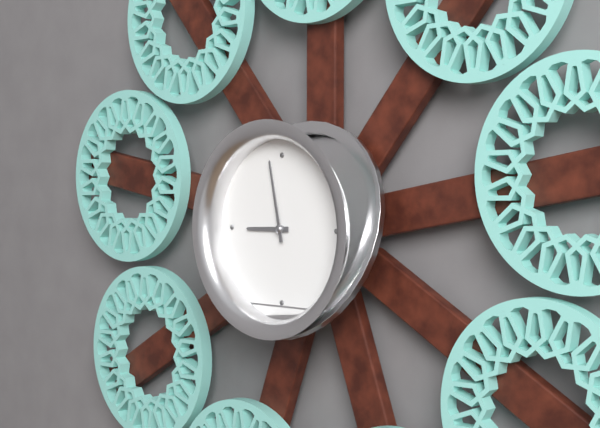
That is 8.58
